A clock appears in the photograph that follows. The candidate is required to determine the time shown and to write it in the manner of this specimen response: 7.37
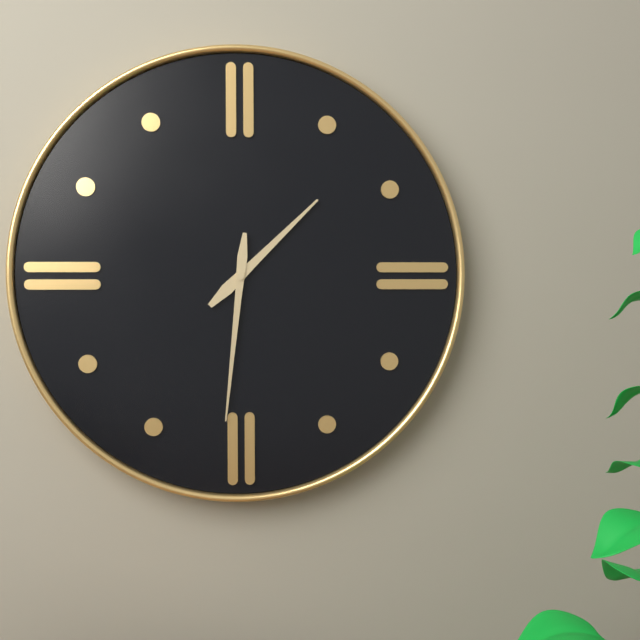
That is 1.31
